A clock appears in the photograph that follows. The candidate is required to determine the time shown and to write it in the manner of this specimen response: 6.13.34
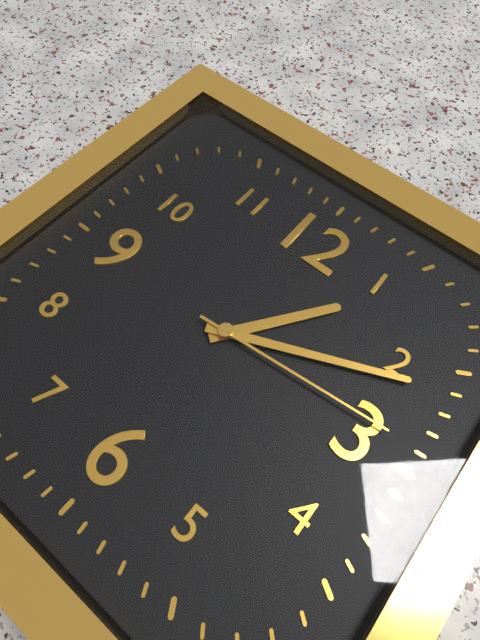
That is 1.11.14
